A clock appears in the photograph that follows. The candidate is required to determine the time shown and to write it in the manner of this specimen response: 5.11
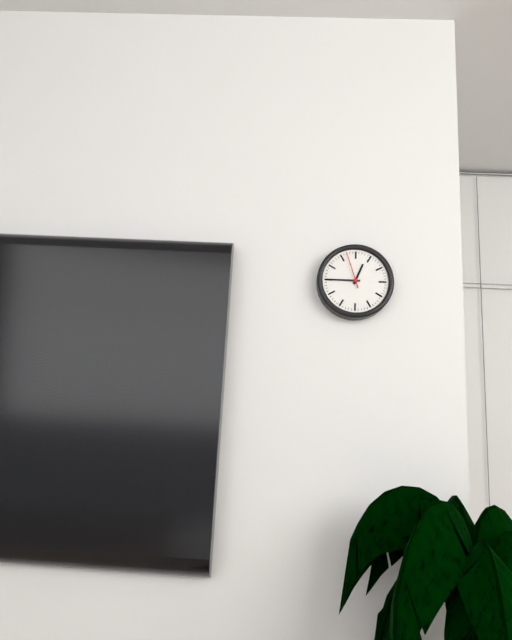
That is 12.45
